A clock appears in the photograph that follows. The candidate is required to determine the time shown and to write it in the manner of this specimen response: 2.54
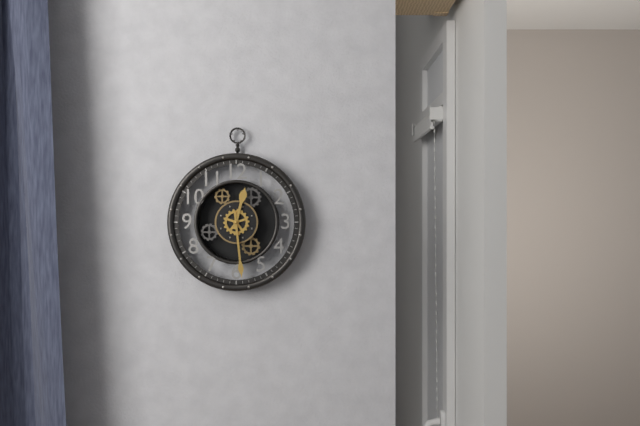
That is 12.29
